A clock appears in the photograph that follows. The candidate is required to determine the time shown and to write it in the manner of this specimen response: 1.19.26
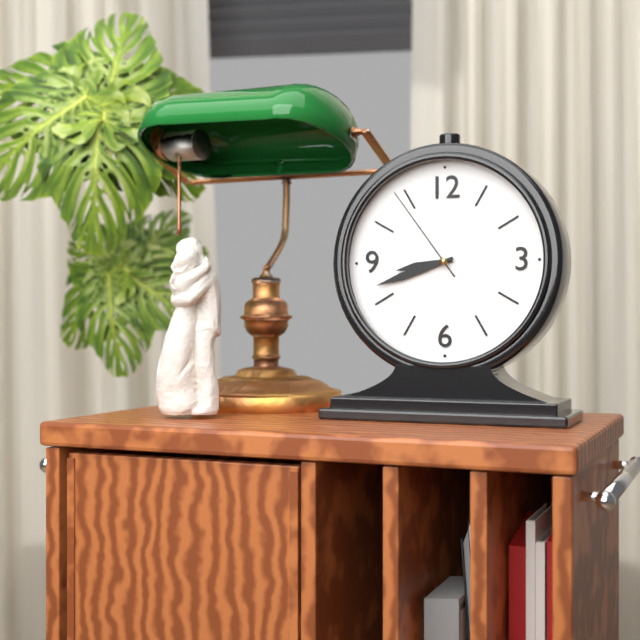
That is 8.42.54
